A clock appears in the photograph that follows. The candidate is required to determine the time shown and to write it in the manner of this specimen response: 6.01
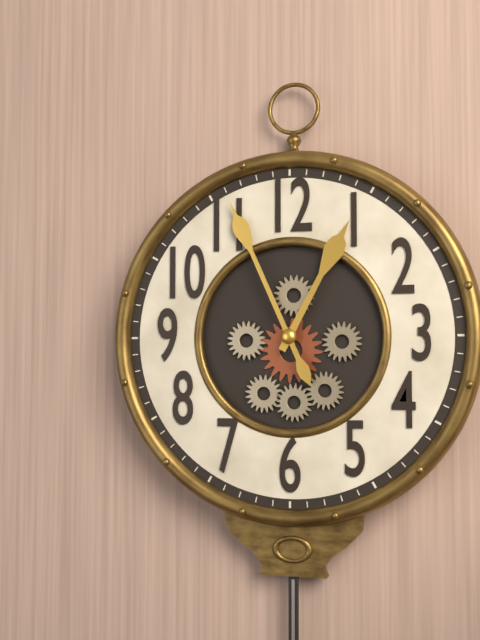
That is 12.56
